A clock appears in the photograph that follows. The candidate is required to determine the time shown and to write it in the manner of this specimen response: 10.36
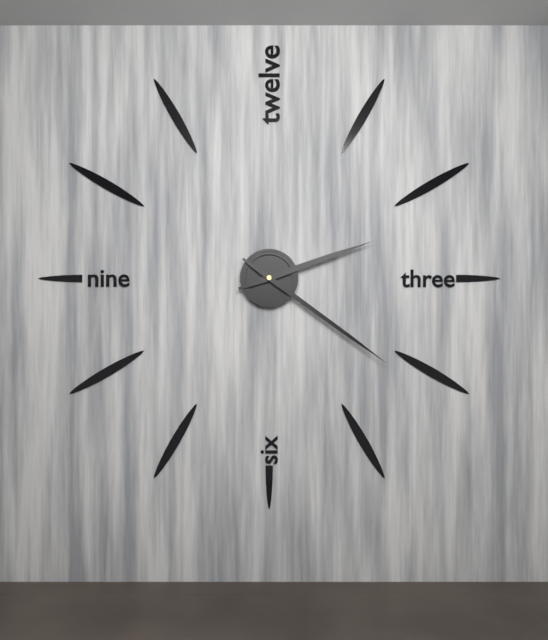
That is 2.21
